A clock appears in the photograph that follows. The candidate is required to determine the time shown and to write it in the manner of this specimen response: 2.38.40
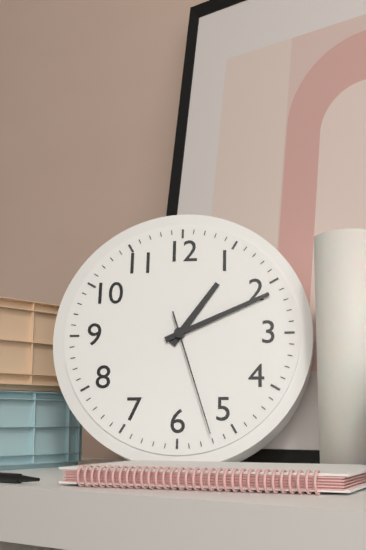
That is 1.11.27
